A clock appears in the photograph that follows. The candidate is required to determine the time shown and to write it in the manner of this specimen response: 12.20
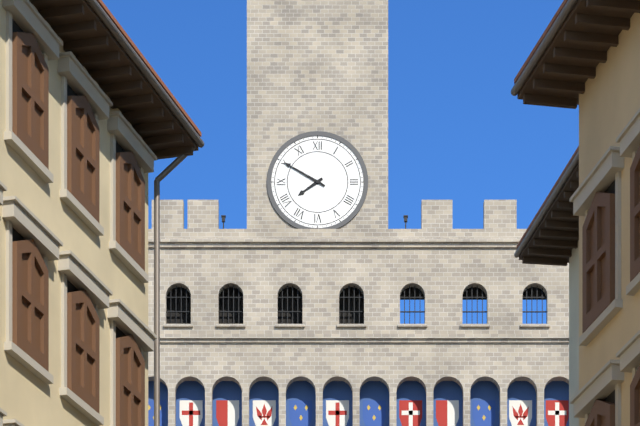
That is 7.50
